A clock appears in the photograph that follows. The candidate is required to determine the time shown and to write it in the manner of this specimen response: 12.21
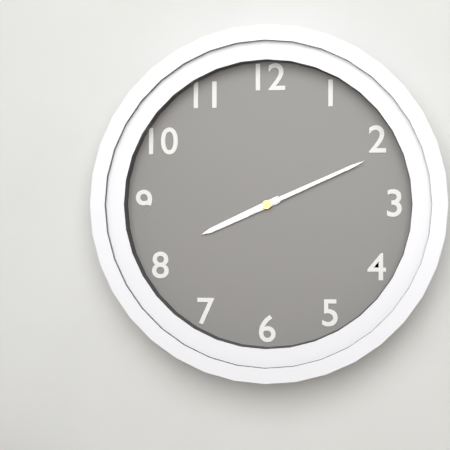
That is 8.11
